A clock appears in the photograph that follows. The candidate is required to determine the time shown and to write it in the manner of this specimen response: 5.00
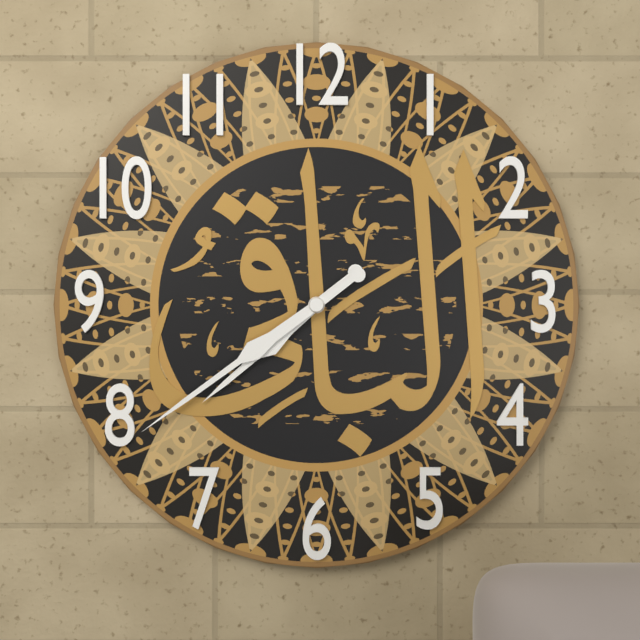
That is 7.39
